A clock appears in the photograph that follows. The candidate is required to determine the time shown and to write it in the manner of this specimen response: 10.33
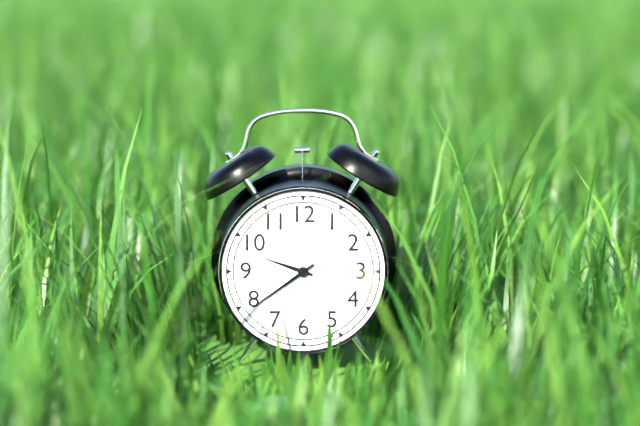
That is 9.39
